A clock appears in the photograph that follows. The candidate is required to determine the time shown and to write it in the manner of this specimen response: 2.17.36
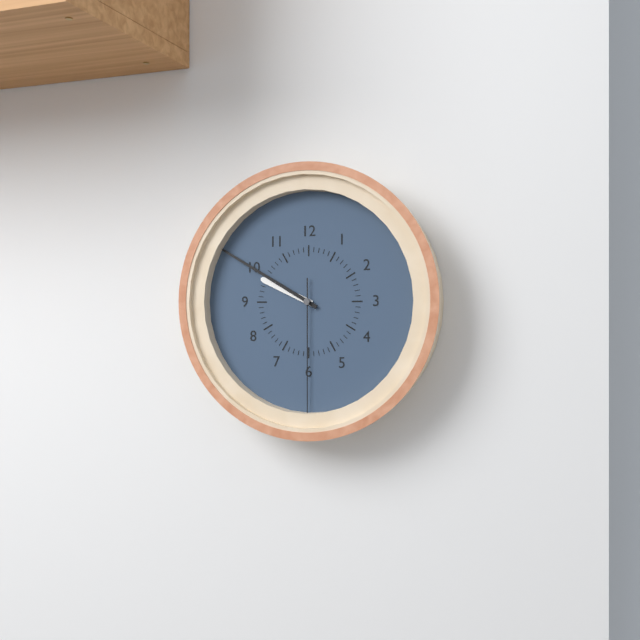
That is 9.50.30
